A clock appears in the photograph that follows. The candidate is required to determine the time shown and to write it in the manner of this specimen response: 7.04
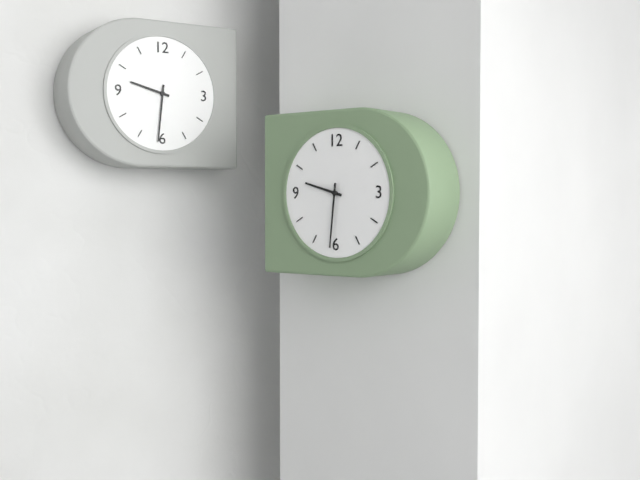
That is 9.31
